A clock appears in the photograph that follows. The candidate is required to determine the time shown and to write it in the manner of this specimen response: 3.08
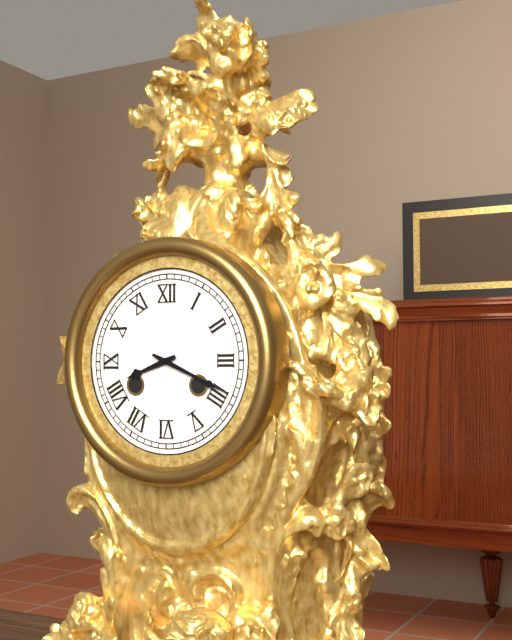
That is 8.19
